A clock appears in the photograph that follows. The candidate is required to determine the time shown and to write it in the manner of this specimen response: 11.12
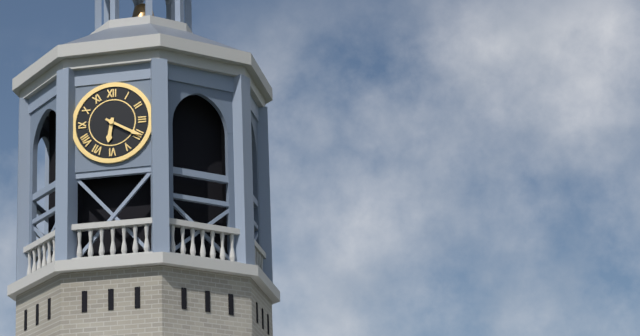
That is 6.20
